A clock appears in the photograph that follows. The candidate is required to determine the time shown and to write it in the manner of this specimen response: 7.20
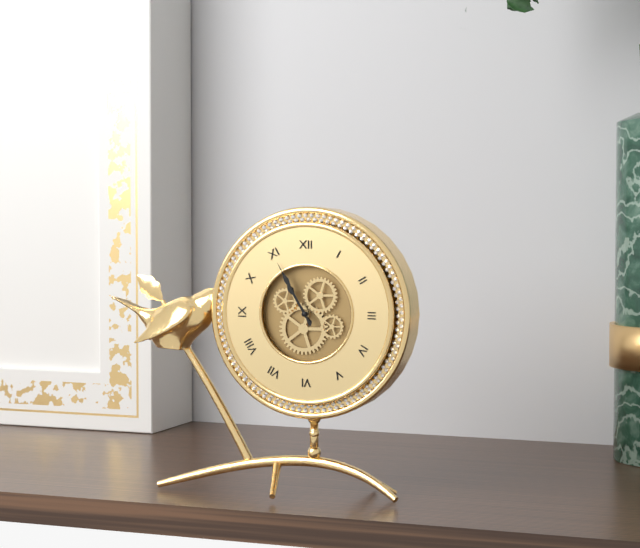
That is 10.55
